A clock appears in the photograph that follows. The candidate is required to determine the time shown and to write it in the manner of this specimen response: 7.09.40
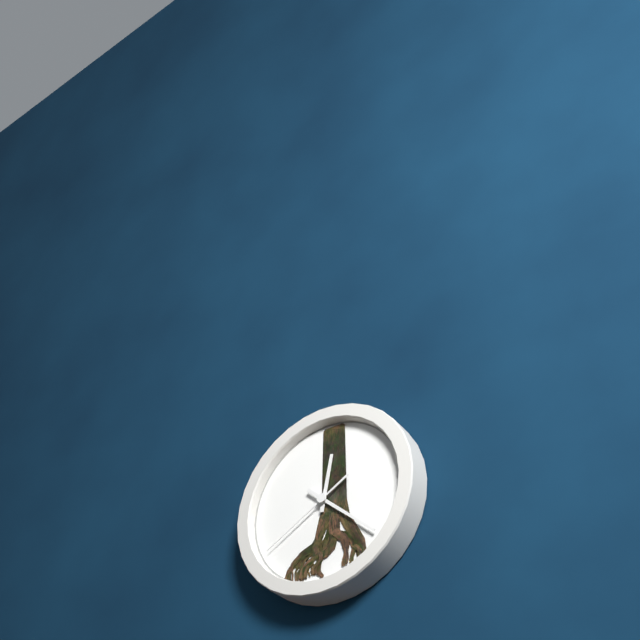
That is 12.22.40
